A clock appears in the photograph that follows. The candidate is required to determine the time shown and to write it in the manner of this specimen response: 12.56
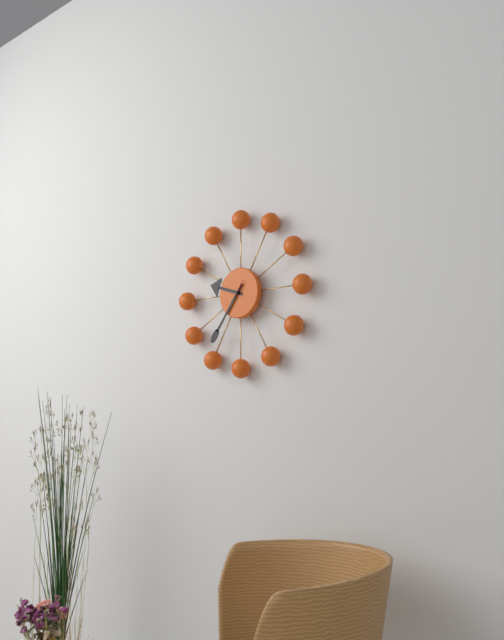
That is 9.36
